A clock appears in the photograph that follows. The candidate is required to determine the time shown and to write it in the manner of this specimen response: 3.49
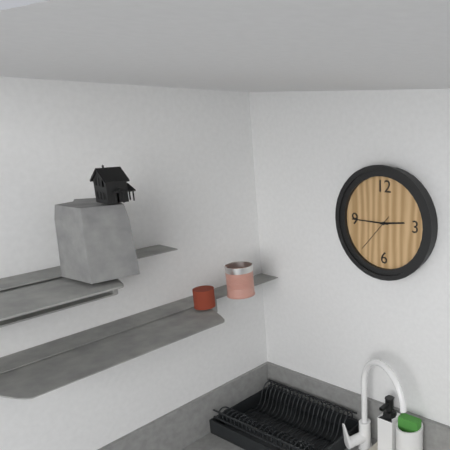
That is 2.45
